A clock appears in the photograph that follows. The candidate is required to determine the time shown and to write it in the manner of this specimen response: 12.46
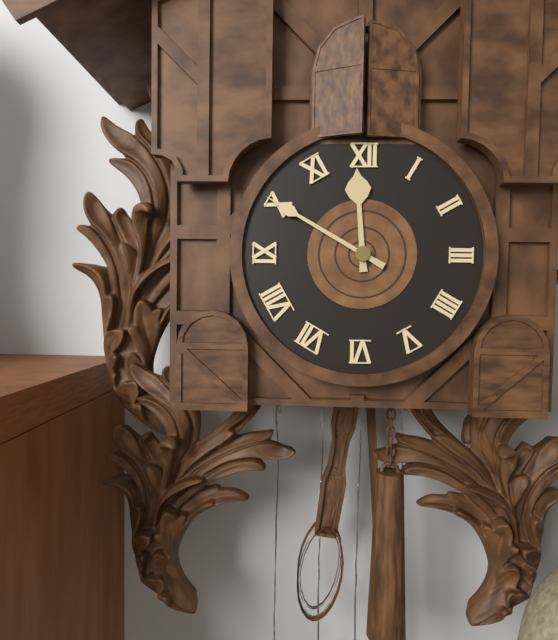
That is 11.50
